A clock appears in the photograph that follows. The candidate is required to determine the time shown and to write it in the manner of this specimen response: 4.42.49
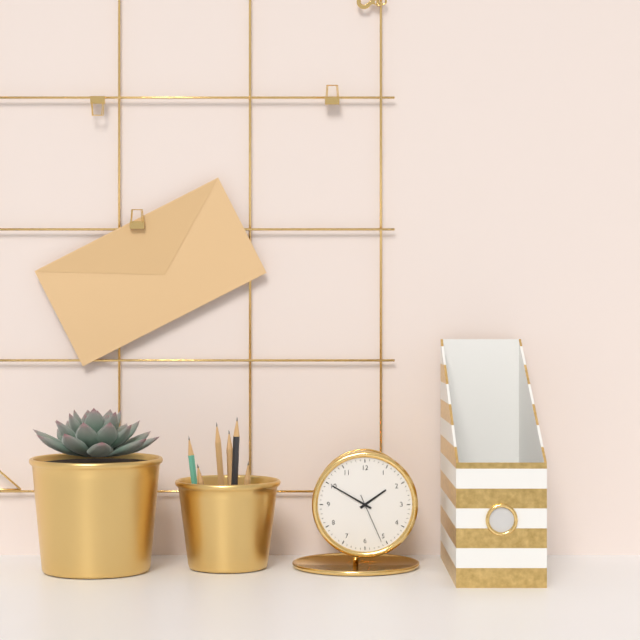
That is 1.50.26
